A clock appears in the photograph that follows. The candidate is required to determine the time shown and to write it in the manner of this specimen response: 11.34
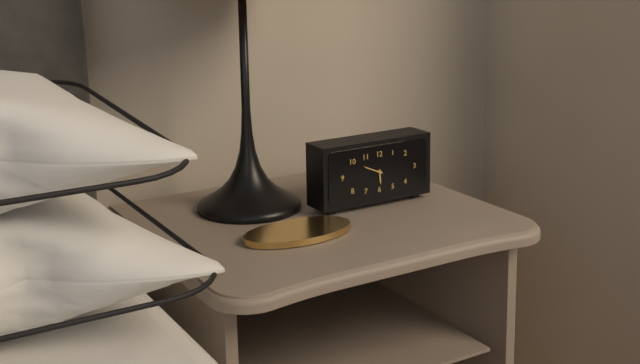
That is 5.49
